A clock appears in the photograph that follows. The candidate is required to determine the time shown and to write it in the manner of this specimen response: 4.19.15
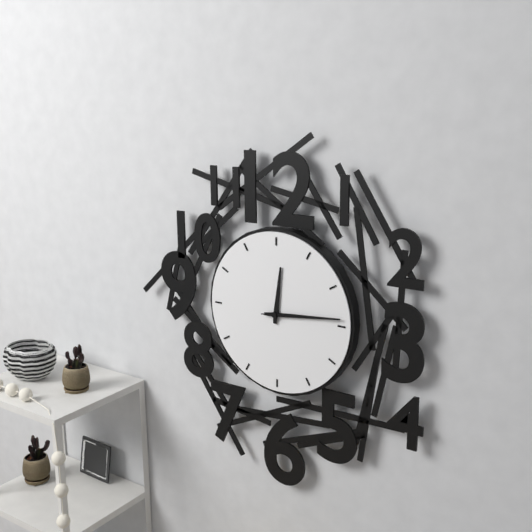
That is 12.14.14
